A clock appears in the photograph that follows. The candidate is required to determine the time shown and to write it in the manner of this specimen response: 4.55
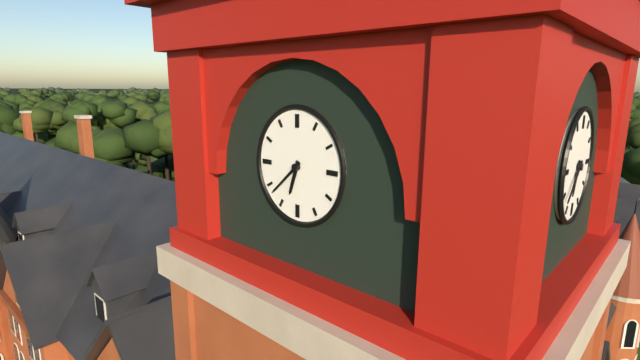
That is 6.38
